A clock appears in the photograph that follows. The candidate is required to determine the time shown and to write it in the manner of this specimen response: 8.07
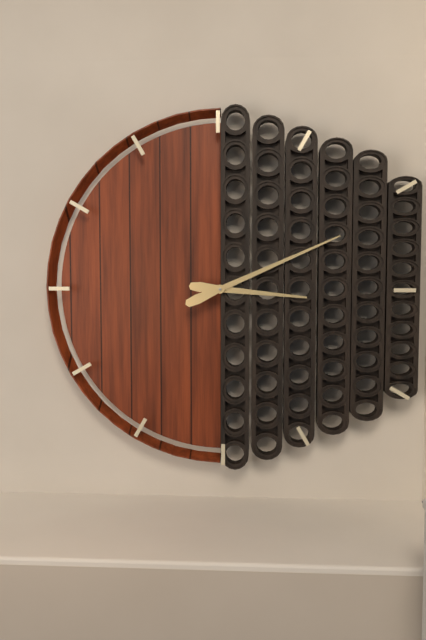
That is 3.11
